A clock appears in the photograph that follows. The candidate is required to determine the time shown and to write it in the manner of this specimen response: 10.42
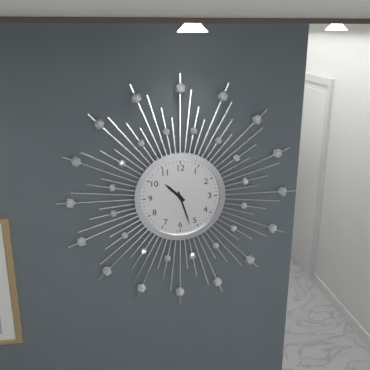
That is 10.27
